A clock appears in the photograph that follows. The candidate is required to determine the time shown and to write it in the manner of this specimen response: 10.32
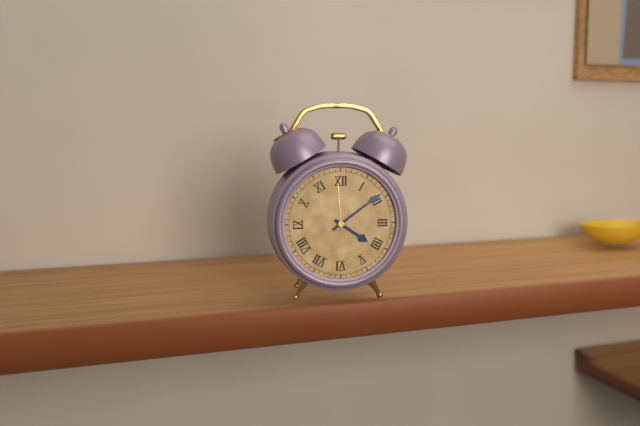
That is 4.09
